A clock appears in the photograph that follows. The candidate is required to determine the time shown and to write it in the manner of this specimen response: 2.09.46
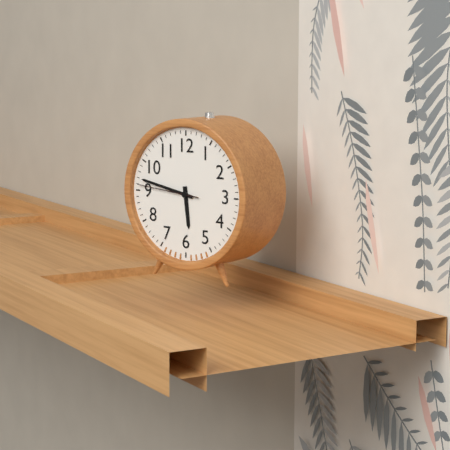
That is 5.47.46
